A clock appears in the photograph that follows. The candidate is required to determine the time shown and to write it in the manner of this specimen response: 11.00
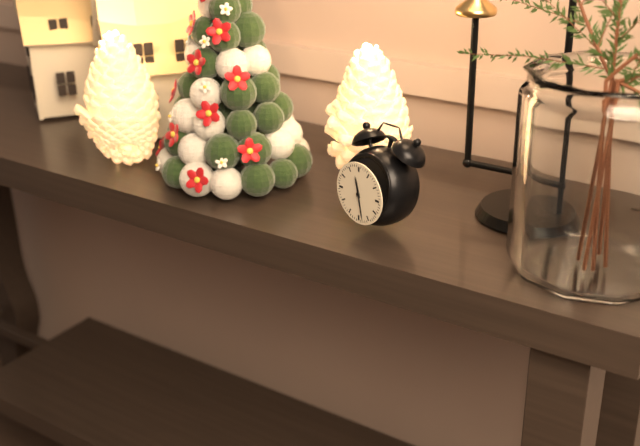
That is 11.28
